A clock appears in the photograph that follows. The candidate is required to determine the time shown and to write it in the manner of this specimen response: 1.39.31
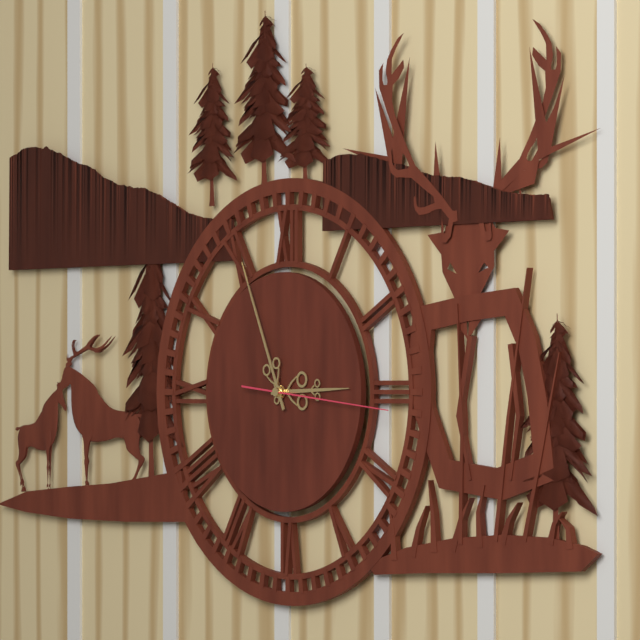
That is 2.56.16
